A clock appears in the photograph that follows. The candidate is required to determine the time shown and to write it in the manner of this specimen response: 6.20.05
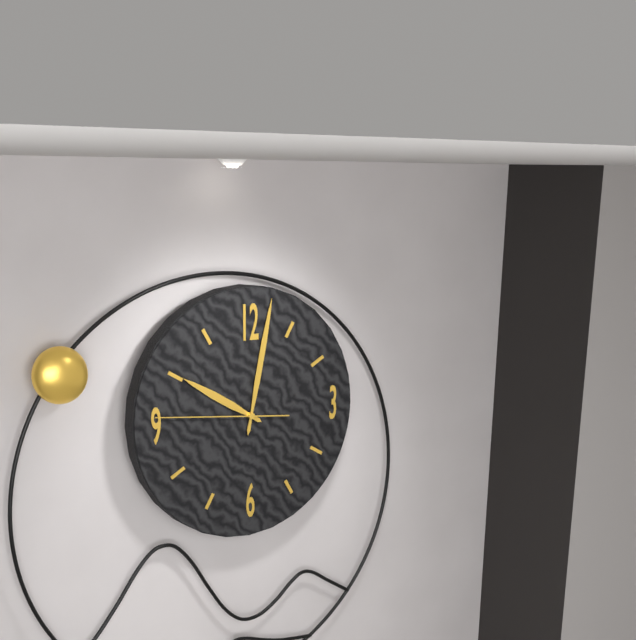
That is 10.02.46
